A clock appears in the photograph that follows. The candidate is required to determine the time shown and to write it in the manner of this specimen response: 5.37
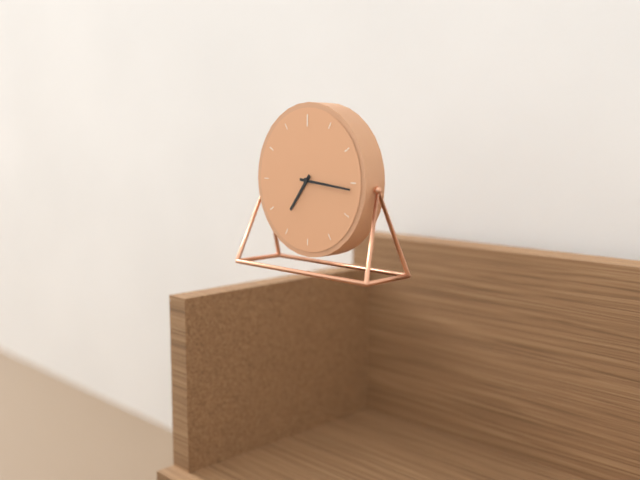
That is 7.16
